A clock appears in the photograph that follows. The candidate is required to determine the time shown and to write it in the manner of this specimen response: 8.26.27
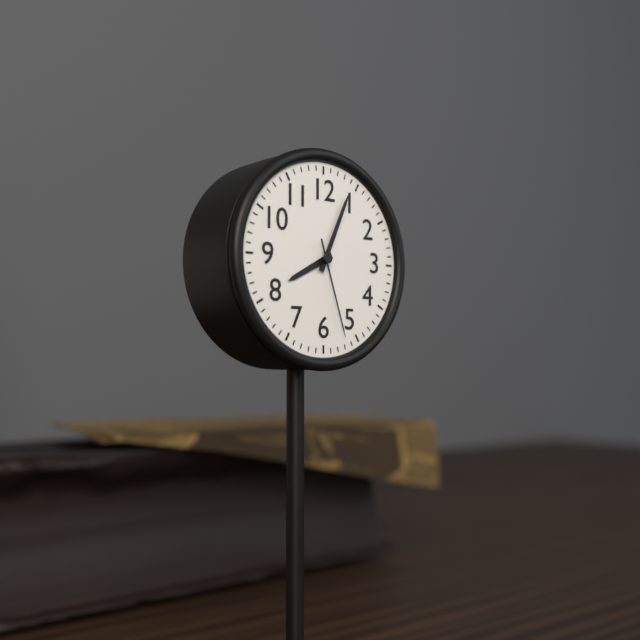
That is 8.04.27
